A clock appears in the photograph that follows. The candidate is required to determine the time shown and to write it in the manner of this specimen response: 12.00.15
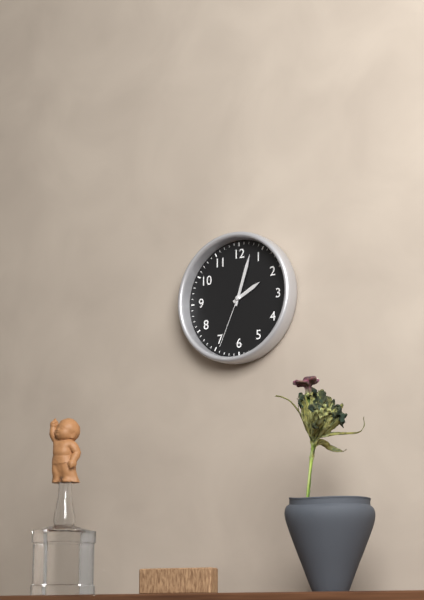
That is 2.03.34
